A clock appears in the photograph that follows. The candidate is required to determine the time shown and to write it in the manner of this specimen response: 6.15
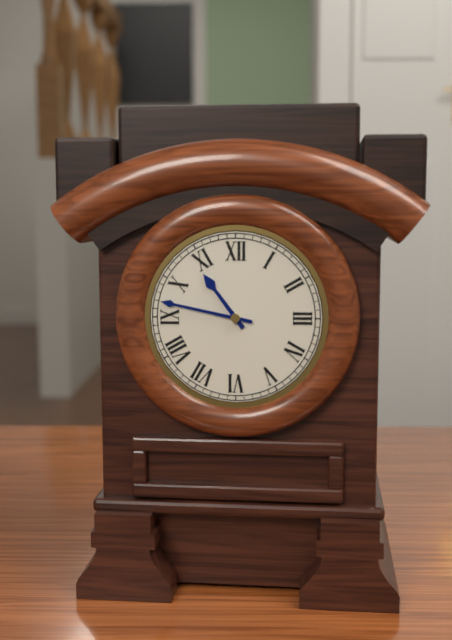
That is 10.47
